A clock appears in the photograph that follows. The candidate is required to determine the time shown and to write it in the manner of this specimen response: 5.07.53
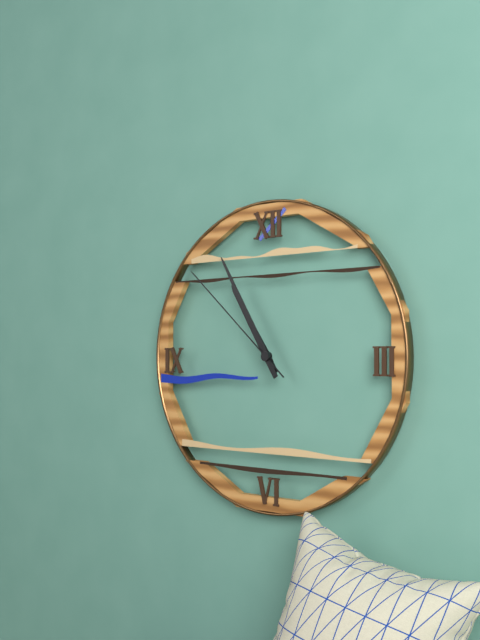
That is 10.55.52
